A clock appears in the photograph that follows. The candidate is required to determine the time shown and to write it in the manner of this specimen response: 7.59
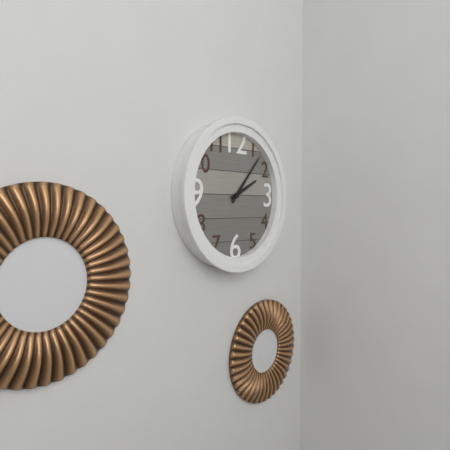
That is 2.07
